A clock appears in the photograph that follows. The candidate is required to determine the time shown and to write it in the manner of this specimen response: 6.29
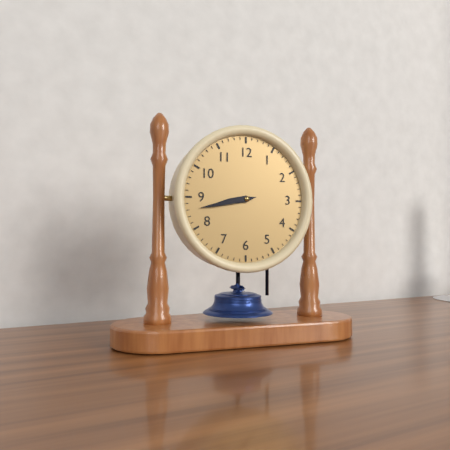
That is 8.43
